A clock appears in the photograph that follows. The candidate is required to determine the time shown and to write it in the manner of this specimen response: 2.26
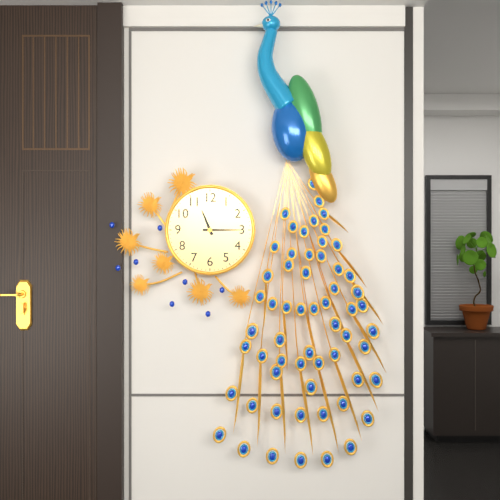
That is 11.15
